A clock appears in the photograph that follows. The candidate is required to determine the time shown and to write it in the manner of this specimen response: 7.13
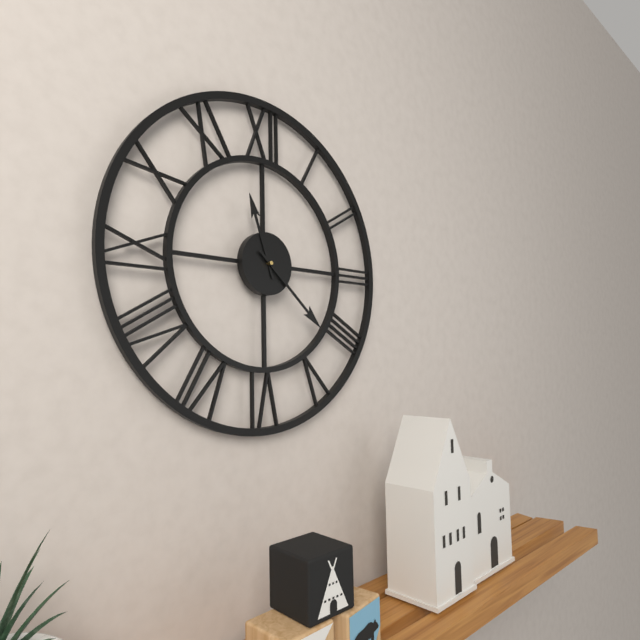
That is 11.22
